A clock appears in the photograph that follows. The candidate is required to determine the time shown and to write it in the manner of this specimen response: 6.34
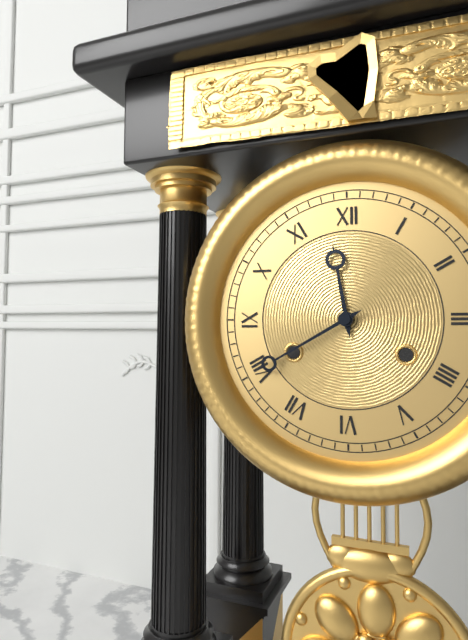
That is 11.40
